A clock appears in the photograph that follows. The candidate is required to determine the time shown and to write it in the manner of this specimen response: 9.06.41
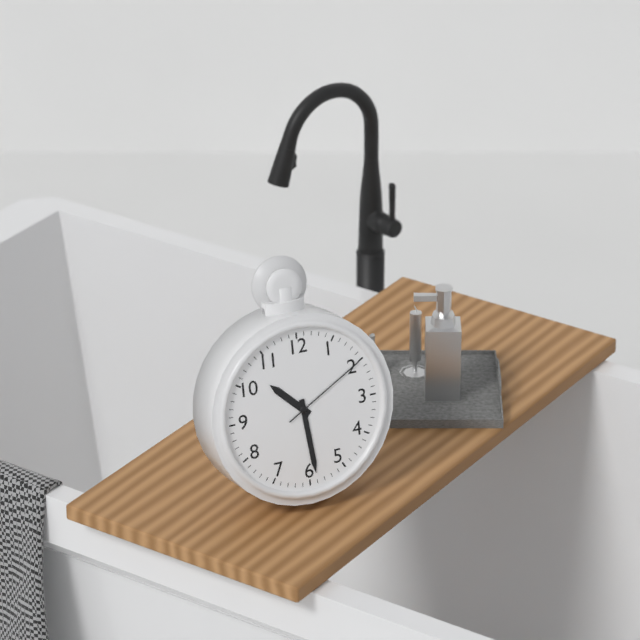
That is 10.29.10
